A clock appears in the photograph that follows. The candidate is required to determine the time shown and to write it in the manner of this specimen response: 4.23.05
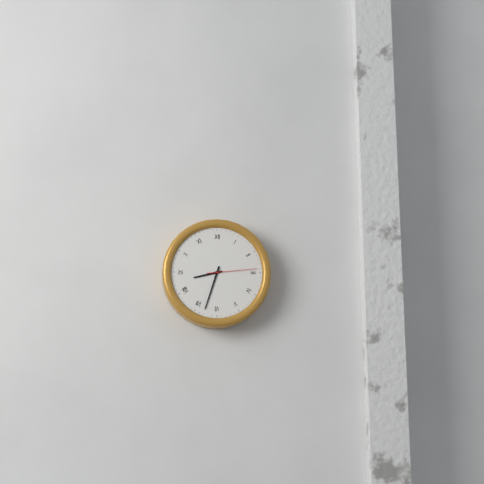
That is 8.33.14
